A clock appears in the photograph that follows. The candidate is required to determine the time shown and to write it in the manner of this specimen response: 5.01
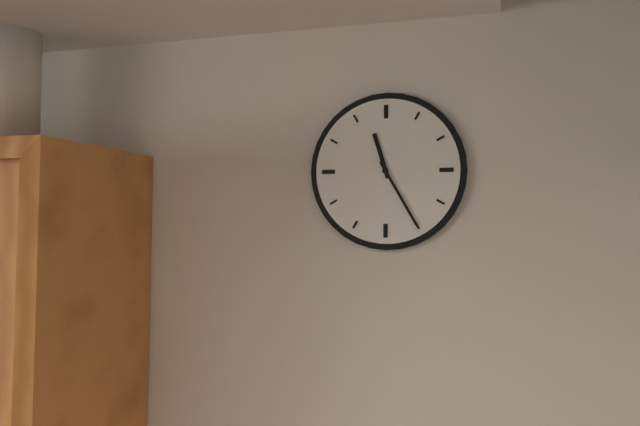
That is 11.25
